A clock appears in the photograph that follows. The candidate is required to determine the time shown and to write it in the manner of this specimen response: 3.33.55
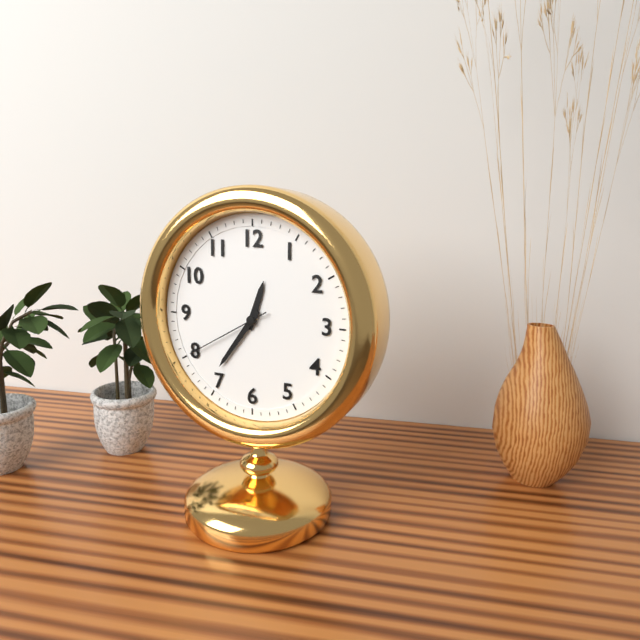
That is 12.36.40
